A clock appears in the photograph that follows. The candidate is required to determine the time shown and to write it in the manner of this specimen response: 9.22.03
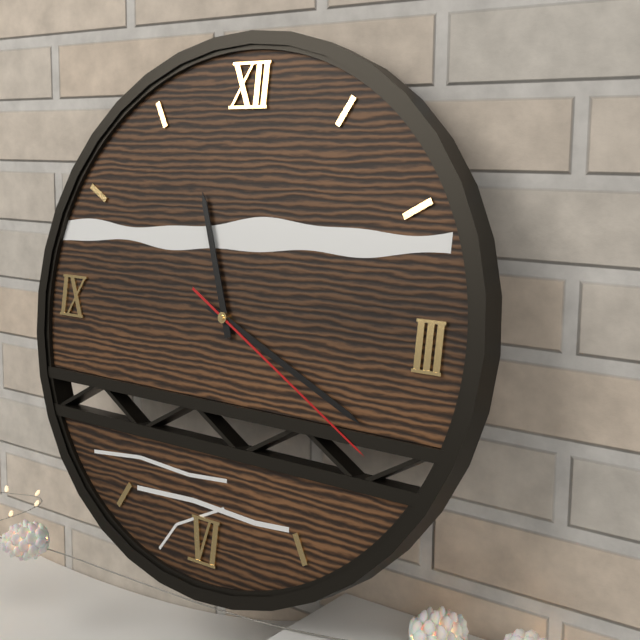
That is 11.19.20
